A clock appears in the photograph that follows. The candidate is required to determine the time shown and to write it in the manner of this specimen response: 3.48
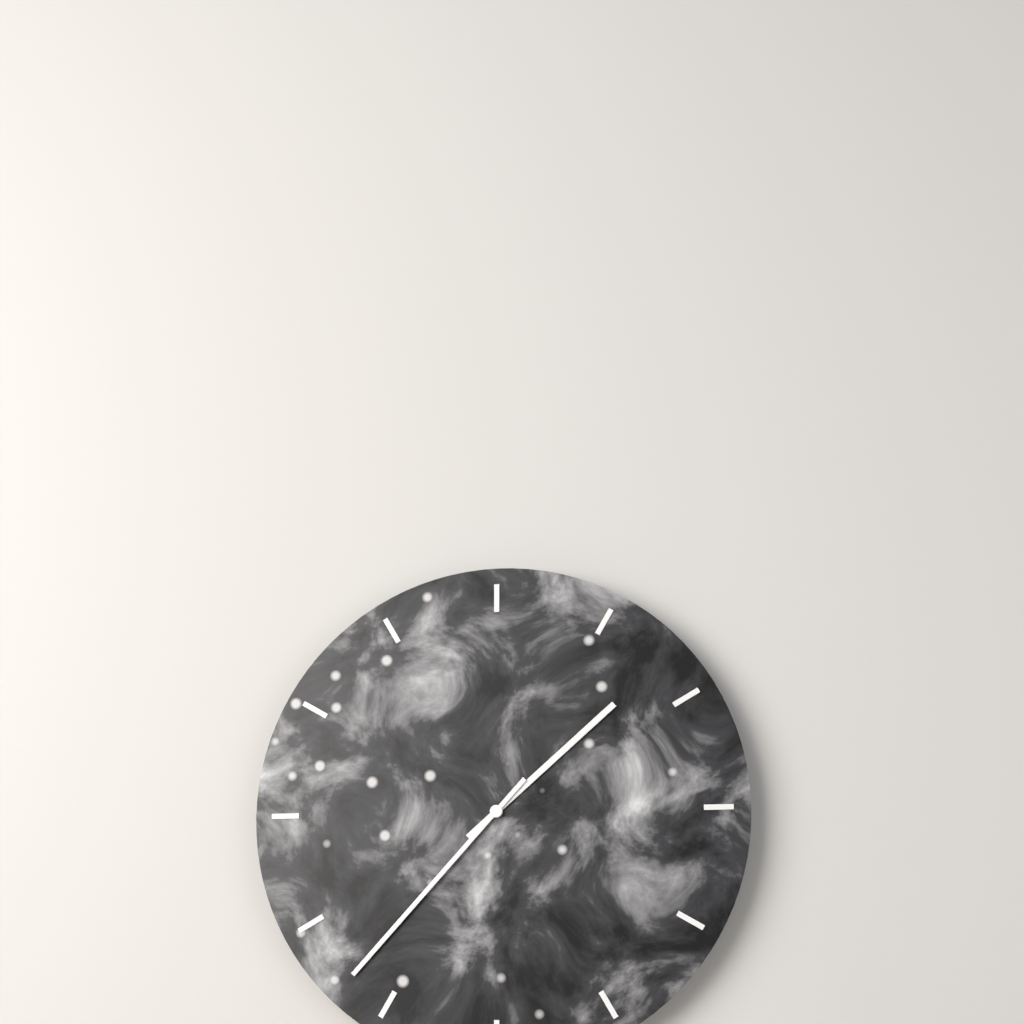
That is 1.37
